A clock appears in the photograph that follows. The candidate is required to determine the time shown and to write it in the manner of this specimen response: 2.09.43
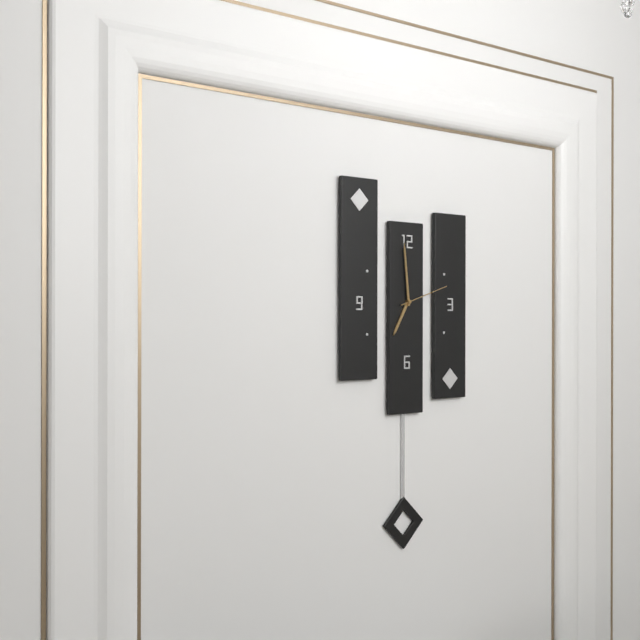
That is 6.59.12
